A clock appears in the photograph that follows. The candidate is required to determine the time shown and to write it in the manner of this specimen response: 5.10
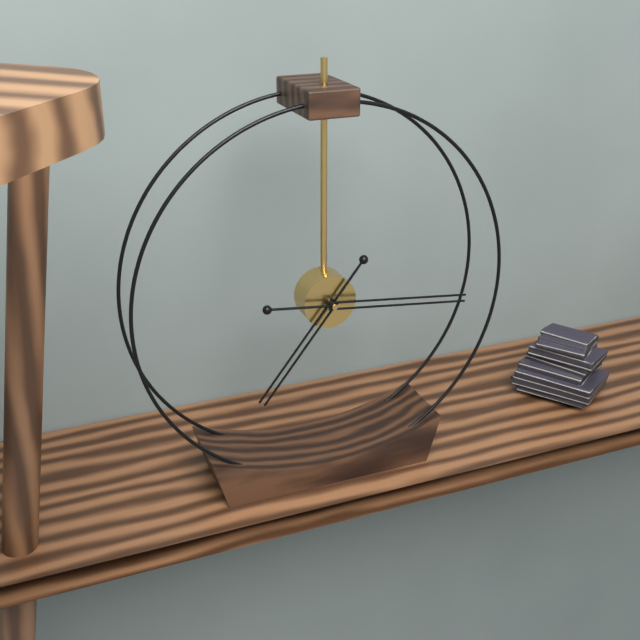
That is 7.16
